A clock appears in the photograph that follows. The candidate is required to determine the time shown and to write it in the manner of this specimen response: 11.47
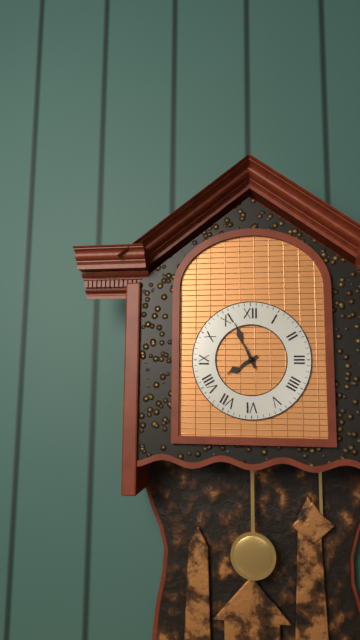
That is 7.56
